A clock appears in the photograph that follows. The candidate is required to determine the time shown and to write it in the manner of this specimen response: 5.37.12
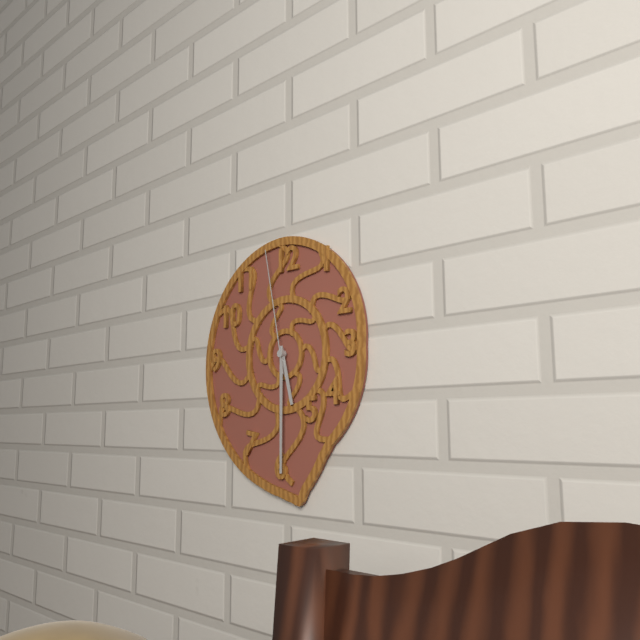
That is 5.30.58
